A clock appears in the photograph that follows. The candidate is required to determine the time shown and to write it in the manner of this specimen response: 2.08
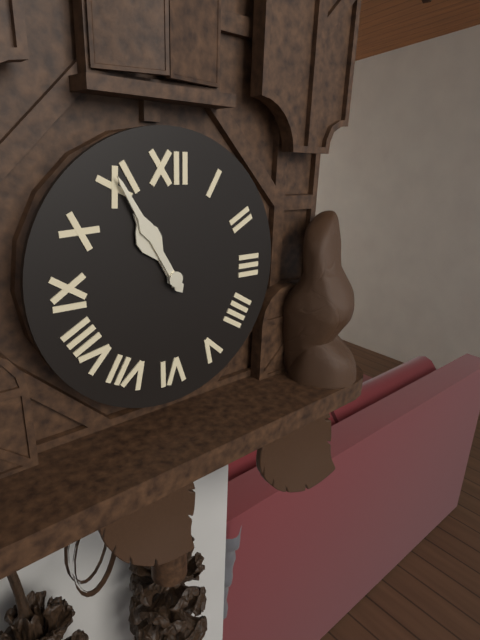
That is 10.55
